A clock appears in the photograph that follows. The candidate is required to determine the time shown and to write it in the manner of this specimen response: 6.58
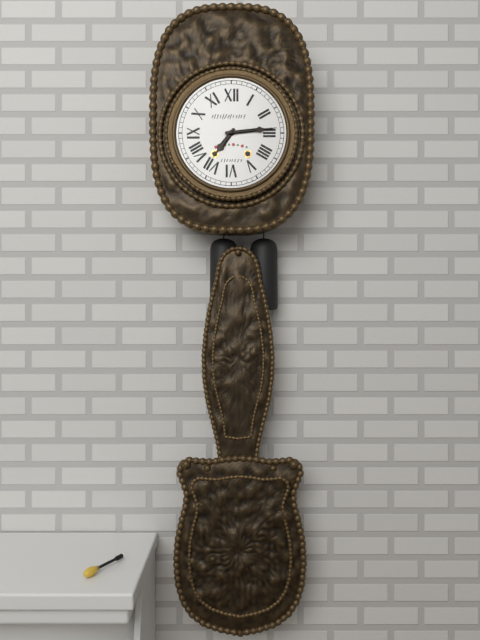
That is 7.14
